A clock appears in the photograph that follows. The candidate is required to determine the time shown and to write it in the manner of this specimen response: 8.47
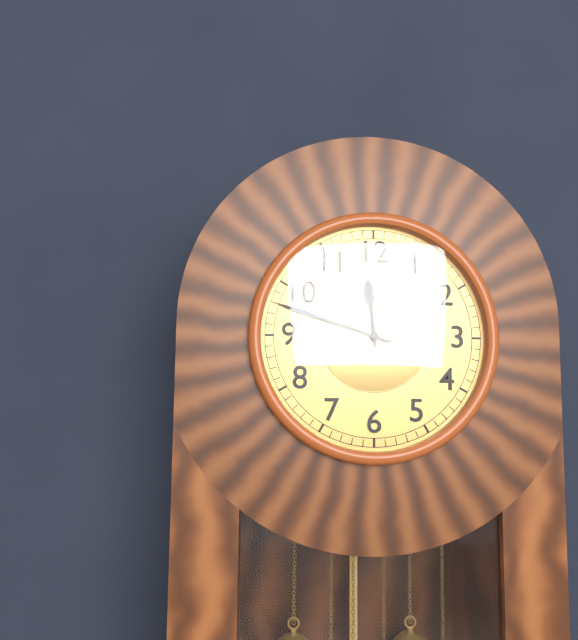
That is 11.48
